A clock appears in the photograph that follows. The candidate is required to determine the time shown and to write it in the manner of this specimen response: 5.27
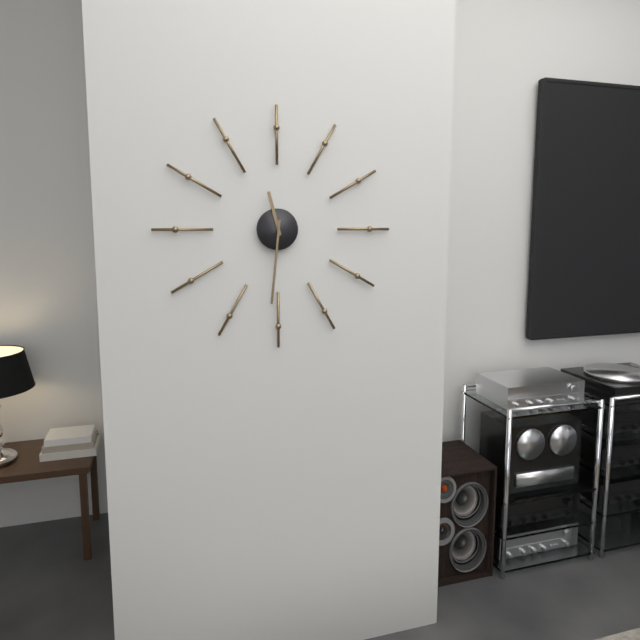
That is 11.31
